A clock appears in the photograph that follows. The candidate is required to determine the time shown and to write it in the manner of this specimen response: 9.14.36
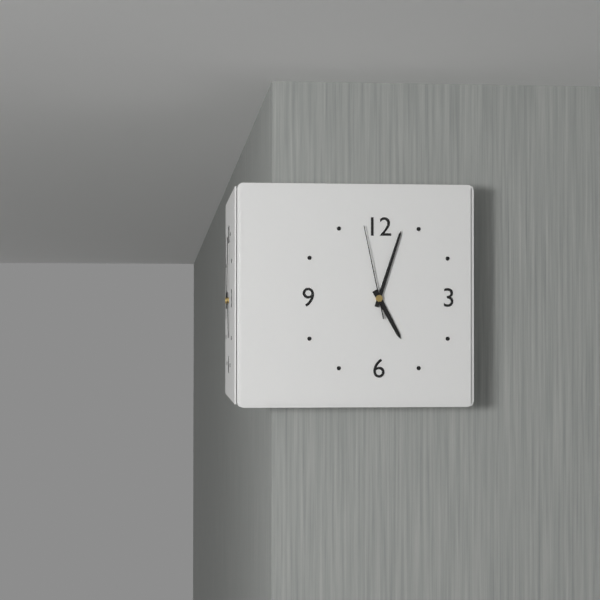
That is 5.03.58
